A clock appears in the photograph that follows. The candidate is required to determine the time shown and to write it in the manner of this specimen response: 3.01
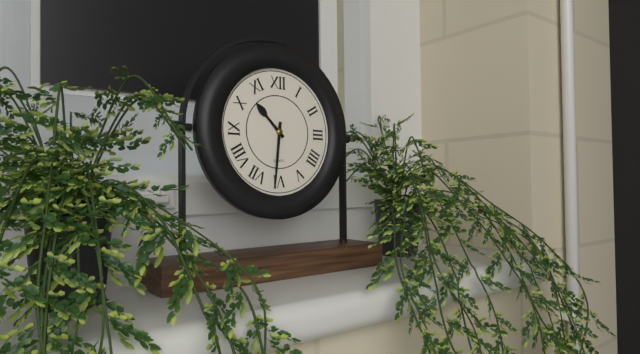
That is 10.31
